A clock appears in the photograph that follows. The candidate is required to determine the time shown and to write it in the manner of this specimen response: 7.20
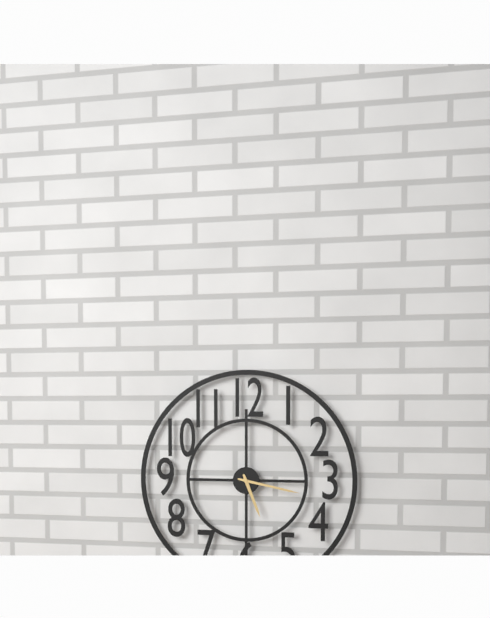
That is 5.17
